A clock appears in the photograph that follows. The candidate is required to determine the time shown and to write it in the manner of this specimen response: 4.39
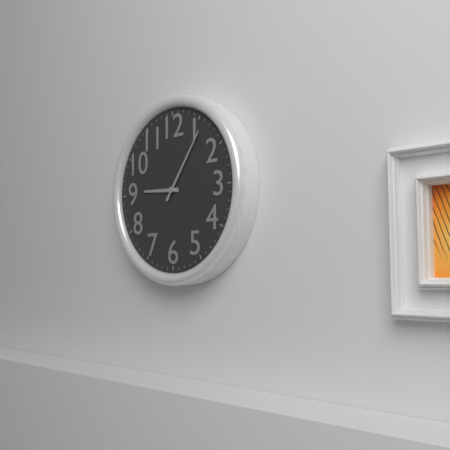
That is 9.06
